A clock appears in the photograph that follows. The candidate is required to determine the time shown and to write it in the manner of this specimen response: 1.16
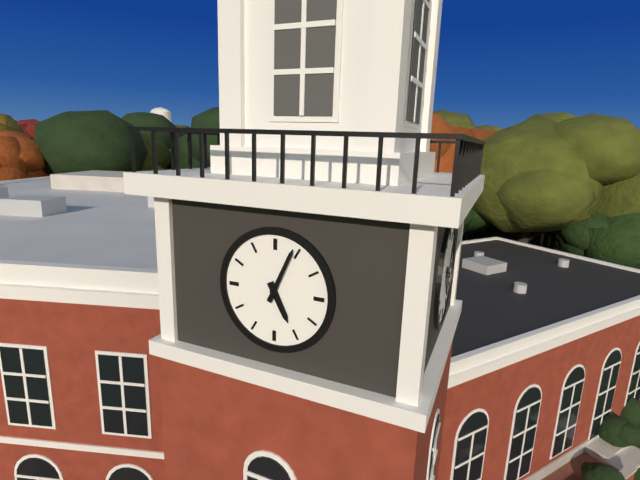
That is 5.04
